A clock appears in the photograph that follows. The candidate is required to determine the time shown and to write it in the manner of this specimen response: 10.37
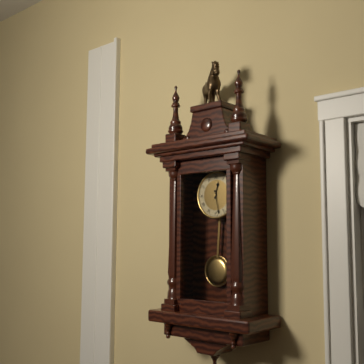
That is 12.28
